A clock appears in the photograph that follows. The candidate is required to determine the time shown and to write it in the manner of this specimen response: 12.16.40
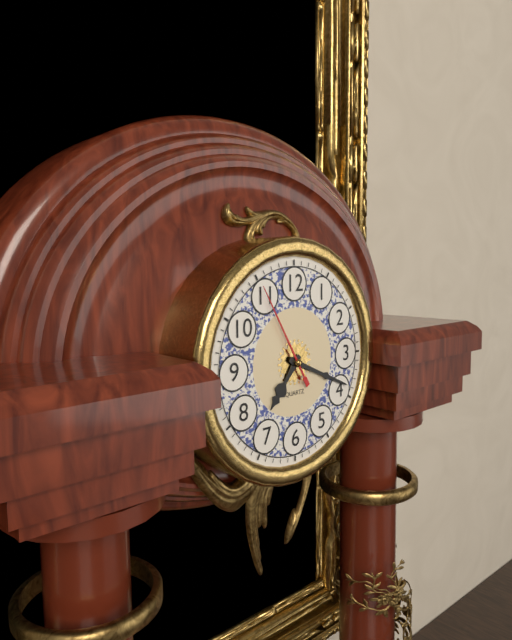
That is 7.19.55
